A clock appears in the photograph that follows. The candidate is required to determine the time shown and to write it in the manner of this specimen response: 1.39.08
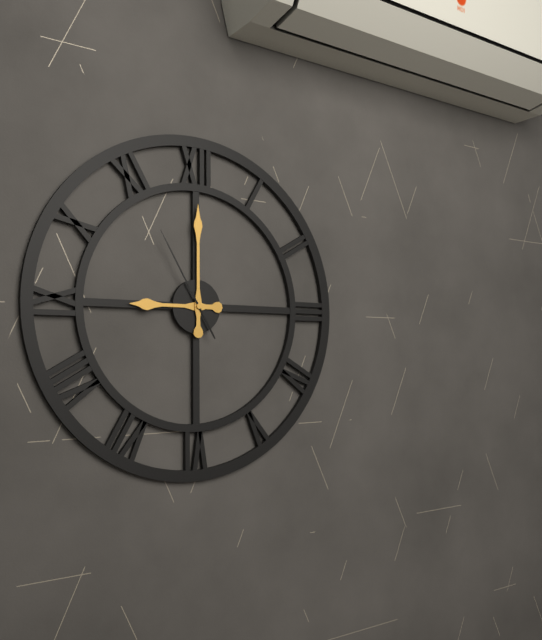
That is 9.00.55
